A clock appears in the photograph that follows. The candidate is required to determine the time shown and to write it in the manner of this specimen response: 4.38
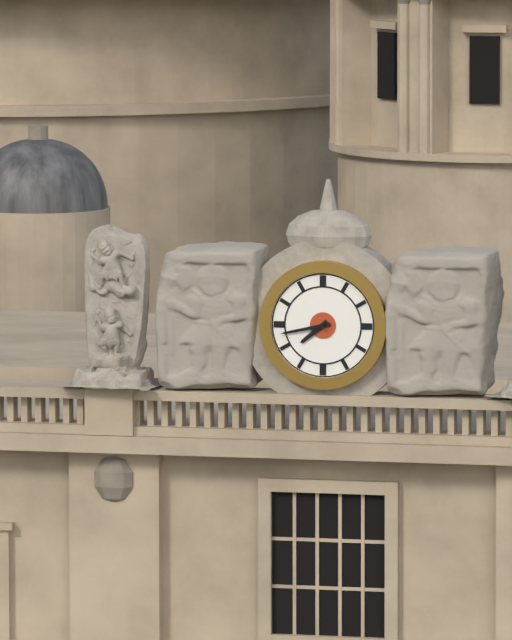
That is 7.43
